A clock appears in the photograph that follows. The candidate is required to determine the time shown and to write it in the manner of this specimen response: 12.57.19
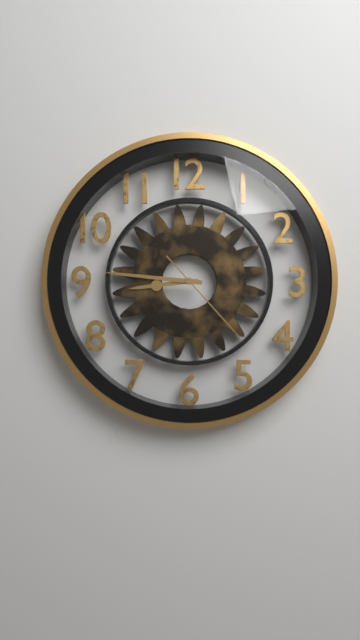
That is 8.46.23
